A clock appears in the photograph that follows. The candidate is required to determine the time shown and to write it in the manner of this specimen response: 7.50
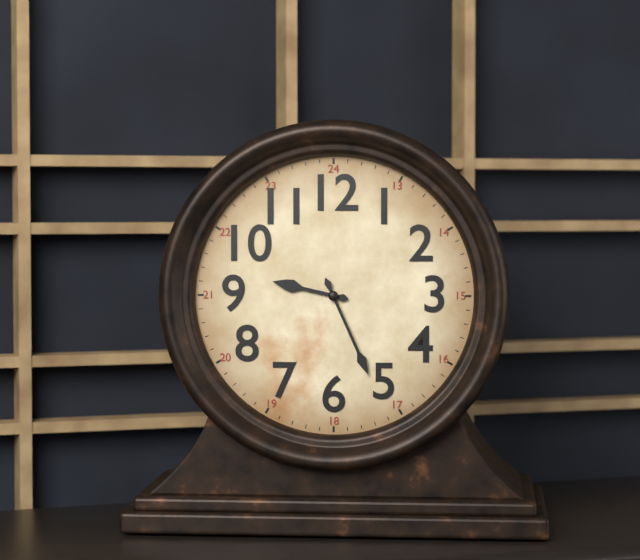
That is 9.26
